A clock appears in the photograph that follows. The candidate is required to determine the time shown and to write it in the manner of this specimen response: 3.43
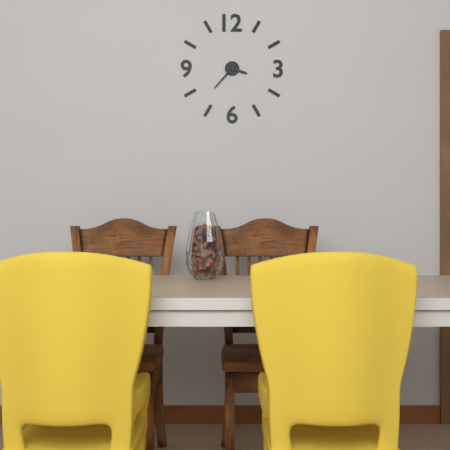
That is 3.37
